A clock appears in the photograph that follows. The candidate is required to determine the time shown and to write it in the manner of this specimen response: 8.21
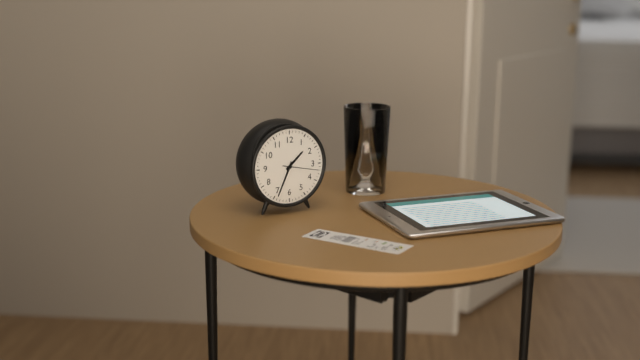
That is 1.34
